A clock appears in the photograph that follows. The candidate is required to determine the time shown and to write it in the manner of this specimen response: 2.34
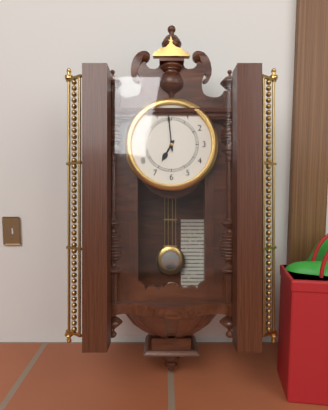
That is 6.59
